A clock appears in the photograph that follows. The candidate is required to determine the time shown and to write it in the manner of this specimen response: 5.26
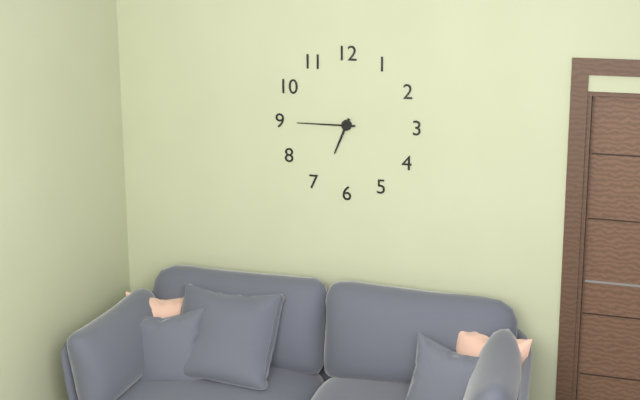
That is 6.45
